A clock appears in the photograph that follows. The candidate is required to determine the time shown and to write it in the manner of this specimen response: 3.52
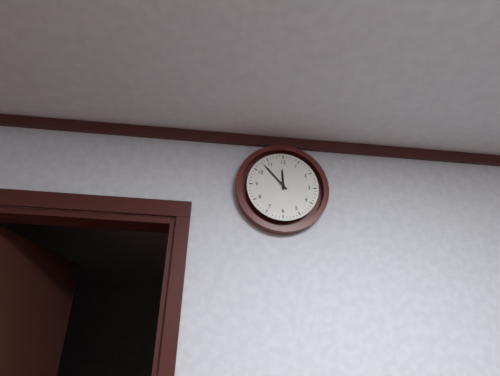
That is 11.53
